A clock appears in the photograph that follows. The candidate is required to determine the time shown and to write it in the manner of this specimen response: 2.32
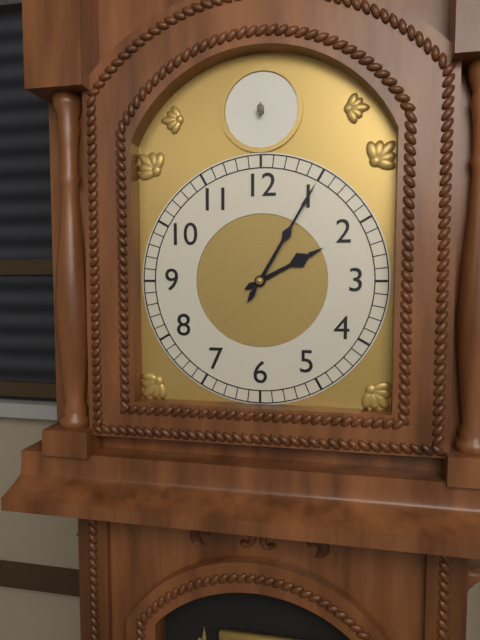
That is 2.05
